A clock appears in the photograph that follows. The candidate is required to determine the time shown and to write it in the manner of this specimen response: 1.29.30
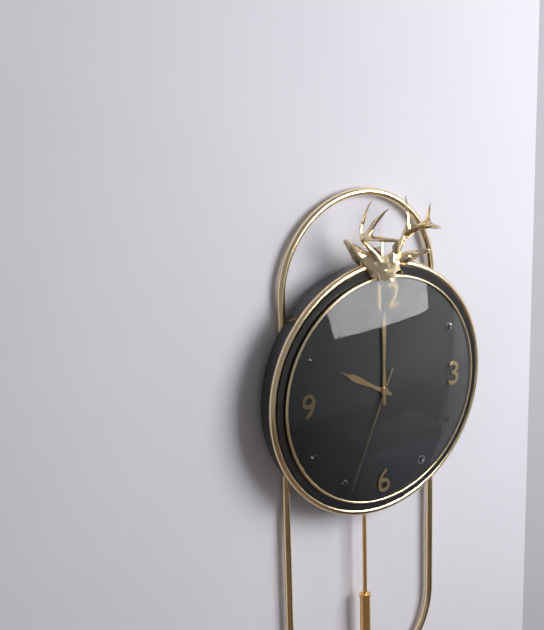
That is 10.00.34
